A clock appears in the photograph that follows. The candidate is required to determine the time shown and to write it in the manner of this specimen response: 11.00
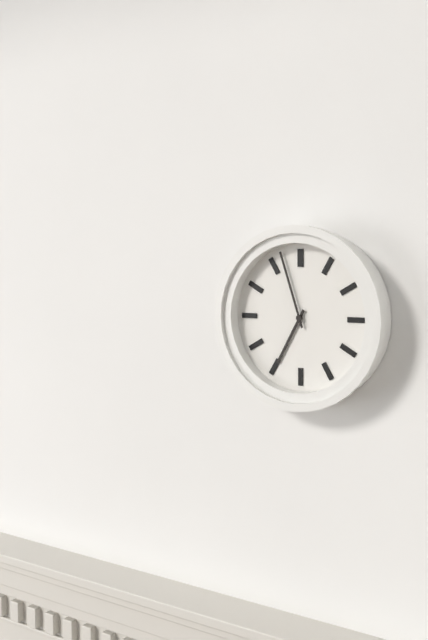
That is 6.57
